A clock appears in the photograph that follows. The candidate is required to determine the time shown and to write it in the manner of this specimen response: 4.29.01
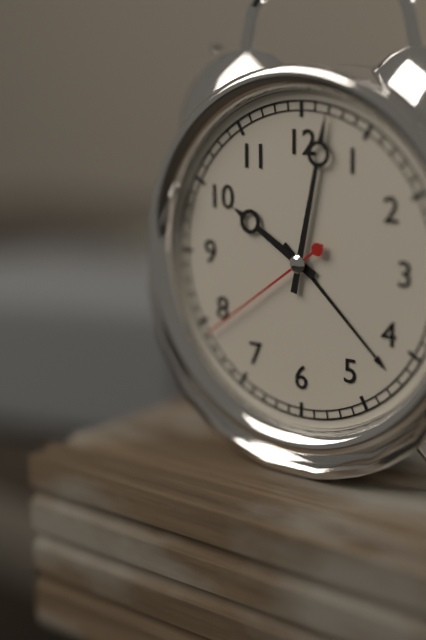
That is 10.02.39
